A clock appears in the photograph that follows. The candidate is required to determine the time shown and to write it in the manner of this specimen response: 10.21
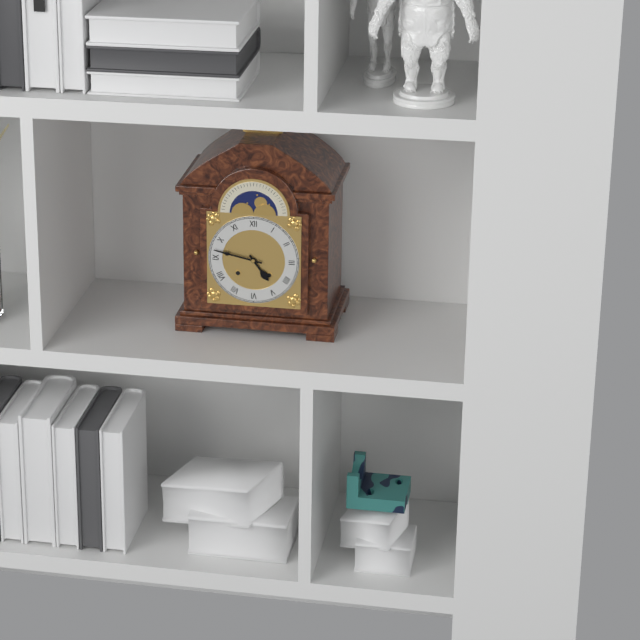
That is 4.47
